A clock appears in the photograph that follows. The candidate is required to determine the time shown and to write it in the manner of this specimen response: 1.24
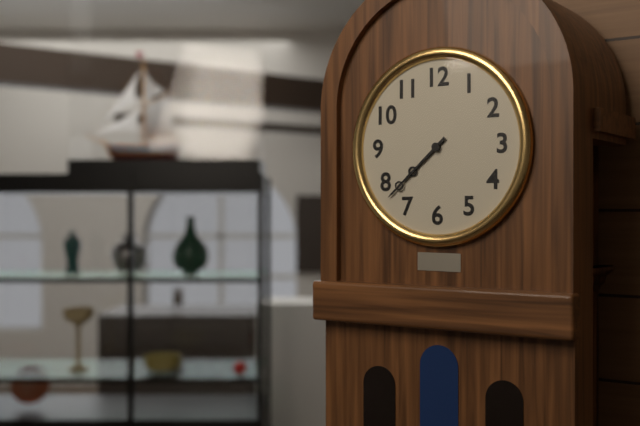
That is 7.38
